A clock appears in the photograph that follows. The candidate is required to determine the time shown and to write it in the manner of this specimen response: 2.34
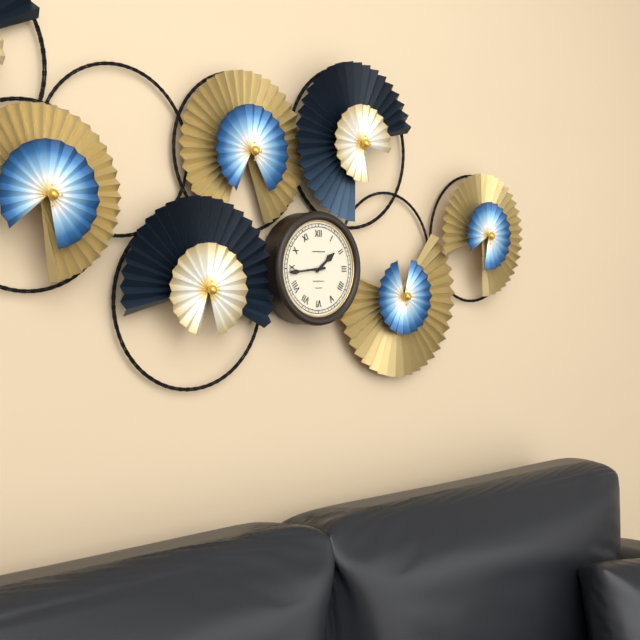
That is 1.44
